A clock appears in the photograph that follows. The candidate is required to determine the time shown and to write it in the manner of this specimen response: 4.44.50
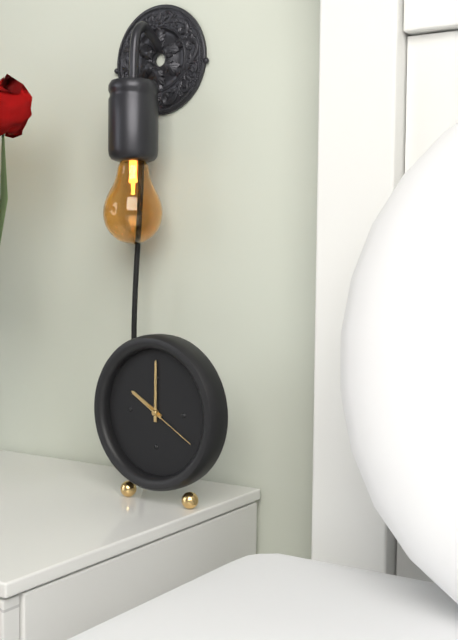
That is 10.00.20
